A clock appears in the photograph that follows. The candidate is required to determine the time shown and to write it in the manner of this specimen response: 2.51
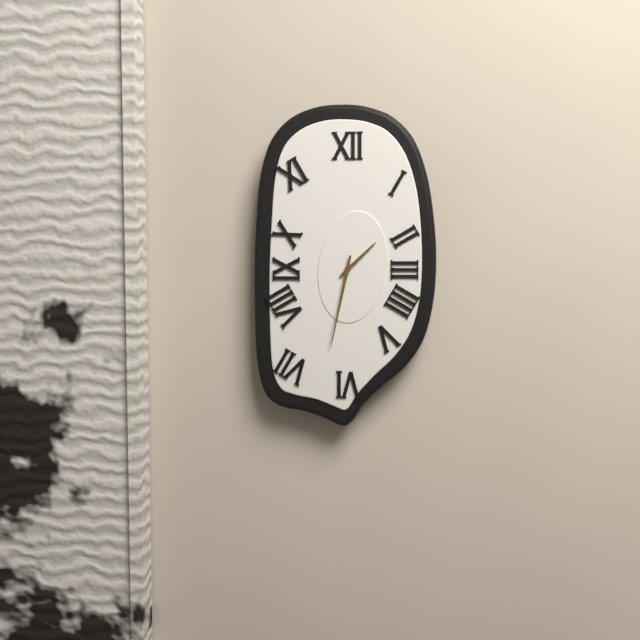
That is 1.32
